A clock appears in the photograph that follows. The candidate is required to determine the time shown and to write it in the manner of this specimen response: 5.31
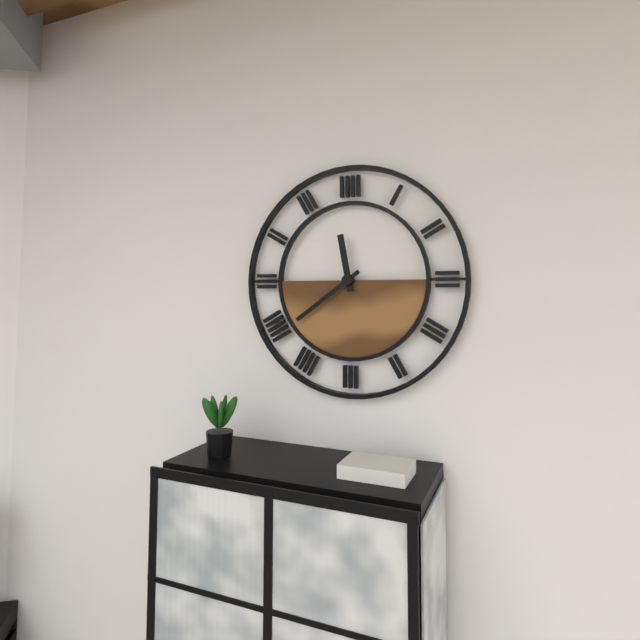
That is 11.39
